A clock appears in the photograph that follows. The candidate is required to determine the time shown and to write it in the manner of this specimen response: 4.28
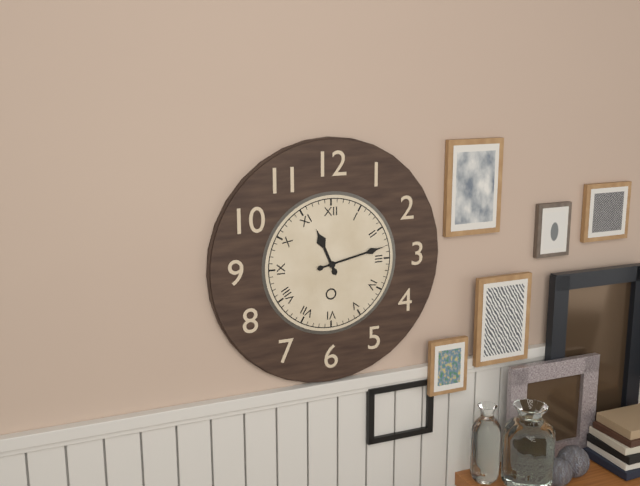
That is 11.13
